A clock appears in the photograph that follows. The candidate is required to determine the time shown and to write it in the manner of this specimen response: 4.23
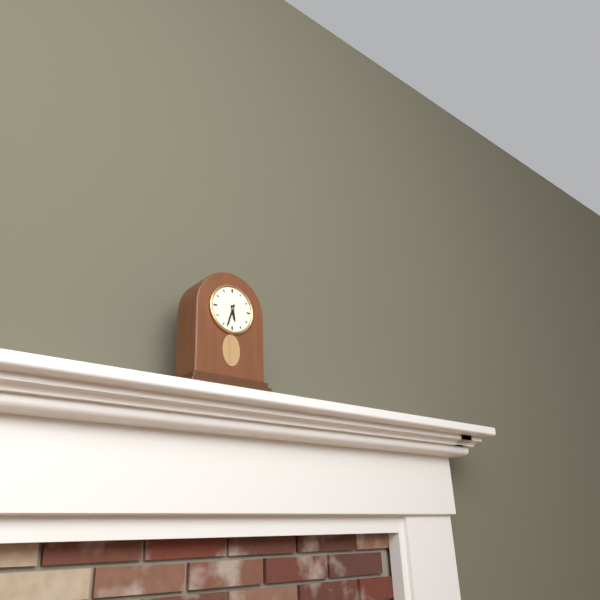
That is 5.33
